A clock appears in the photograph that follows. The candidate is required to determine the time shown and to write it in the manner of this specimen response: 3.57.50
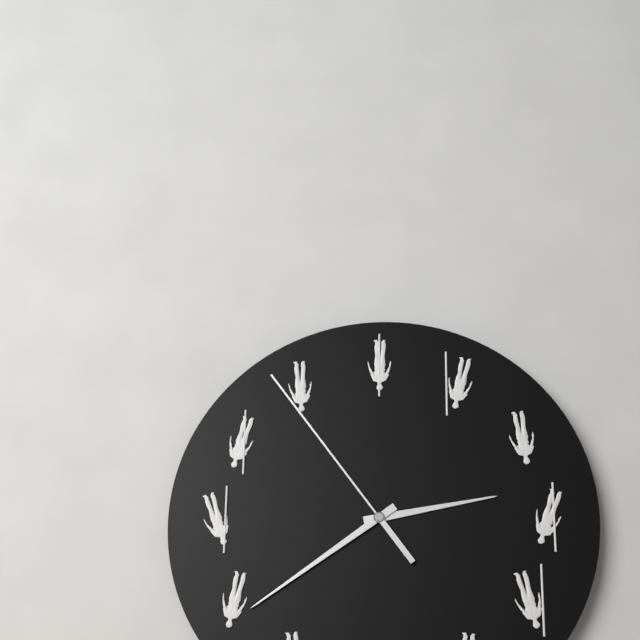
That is 2.39.54
